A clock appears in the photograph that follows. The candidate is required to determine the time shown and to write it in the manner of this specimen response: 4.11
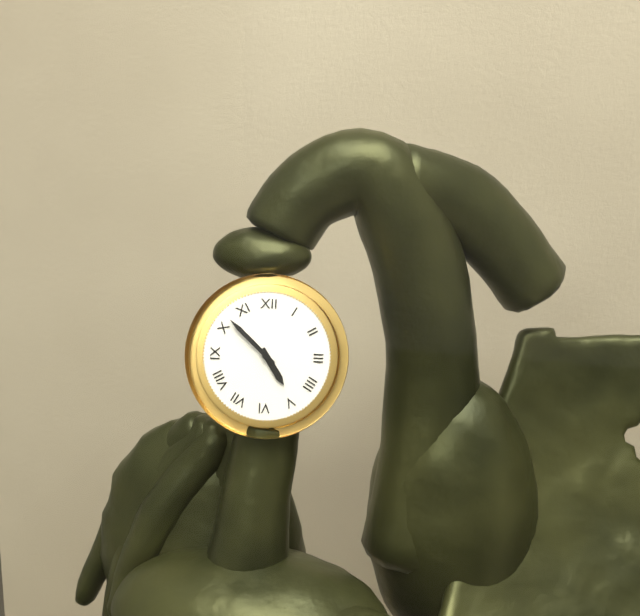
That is 4.52
